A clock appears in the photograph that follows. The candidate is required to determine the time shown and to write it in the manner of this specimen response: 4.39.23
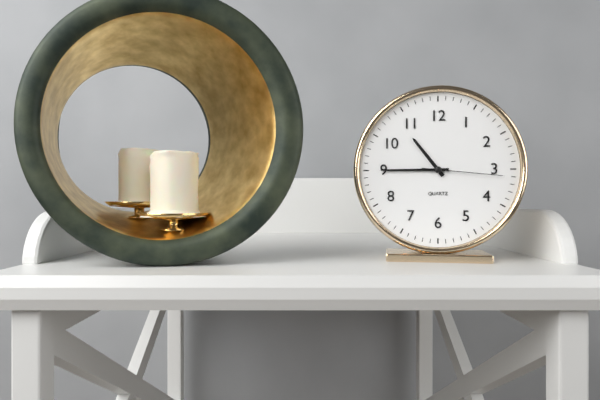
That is 10.45.16
